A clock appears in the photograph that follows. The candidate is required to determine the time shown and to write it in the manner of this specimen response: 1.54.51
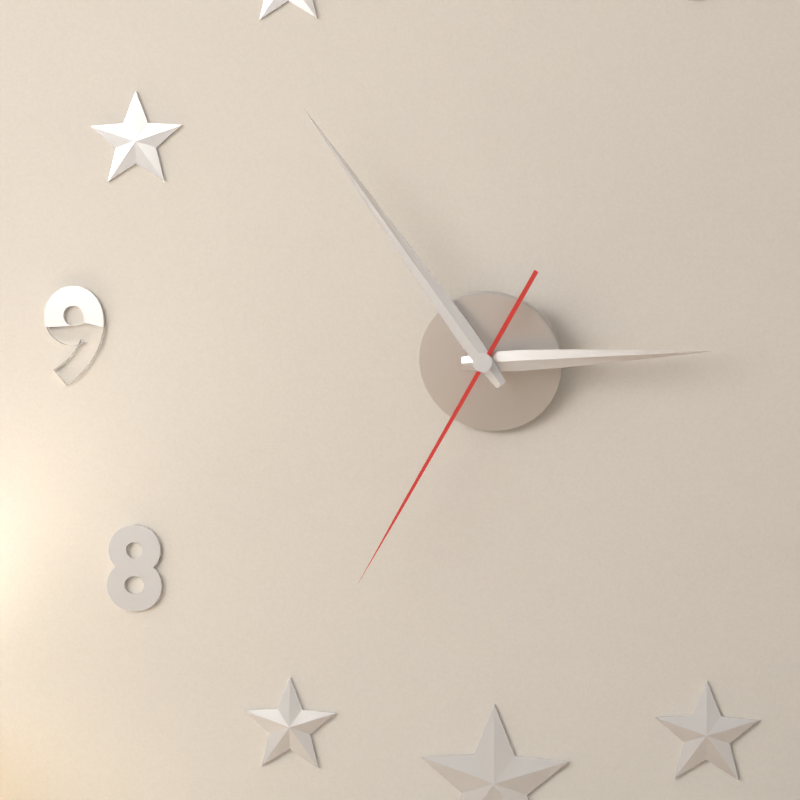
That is 2.54.35
